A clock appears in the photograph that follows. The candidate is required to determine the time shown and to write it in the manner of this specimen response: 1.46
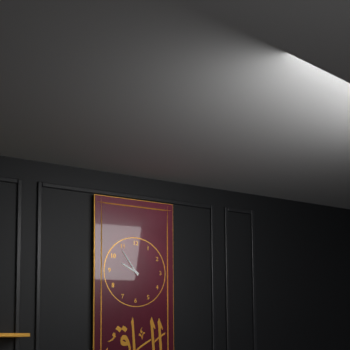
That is 9.54
